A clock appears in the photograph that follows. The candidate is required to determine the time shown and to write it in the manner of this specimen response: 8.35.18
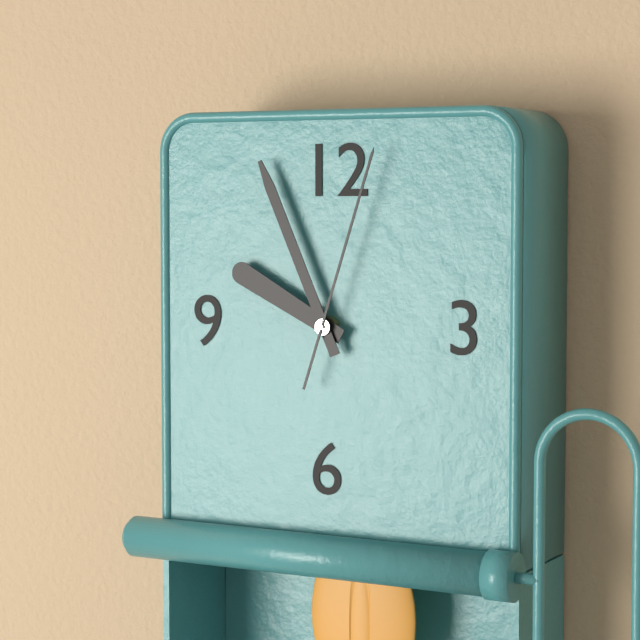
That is 9.56.03
